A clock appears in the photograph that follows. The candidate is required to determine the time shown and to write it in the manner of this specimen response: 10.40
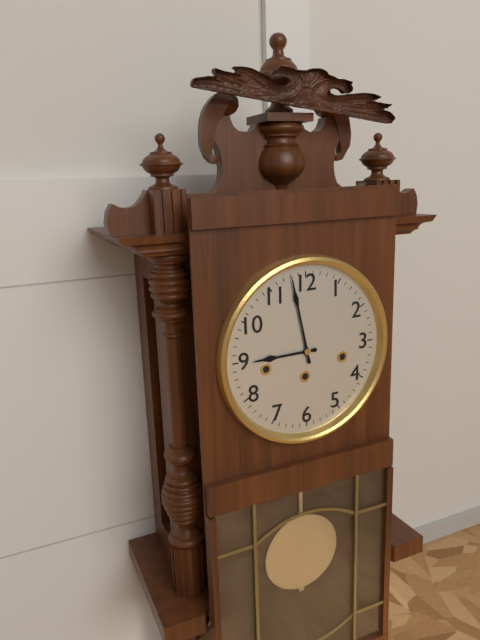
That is 8.58
